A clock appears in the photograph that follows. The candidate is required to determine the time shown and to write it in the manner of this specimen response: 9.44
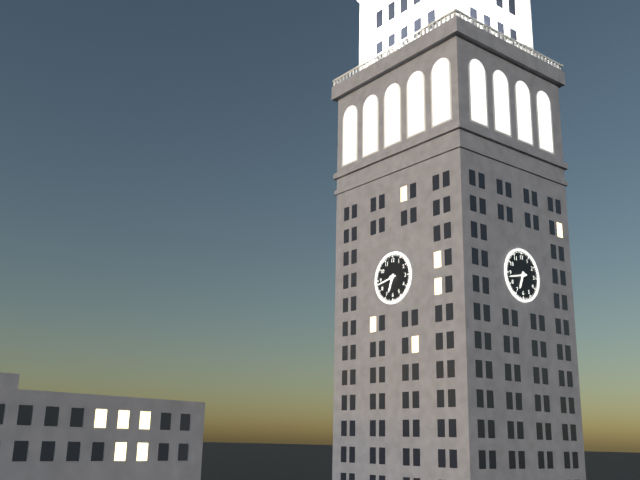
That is 6.43
